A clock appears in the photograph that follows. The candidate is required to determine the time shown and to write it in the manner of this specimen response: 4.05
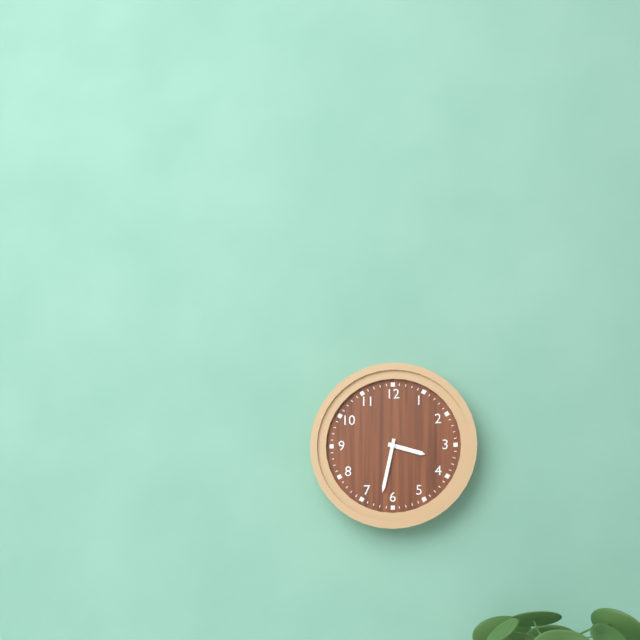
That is 3.32
